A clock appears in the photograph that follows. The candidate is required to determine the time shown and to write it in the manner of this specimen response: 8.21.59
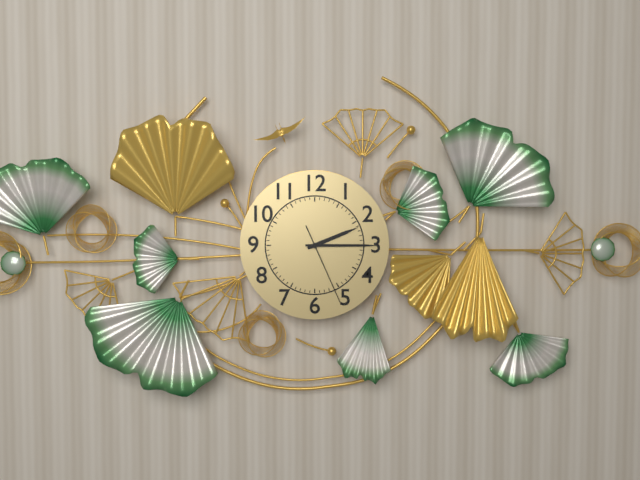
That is 2.15.26
